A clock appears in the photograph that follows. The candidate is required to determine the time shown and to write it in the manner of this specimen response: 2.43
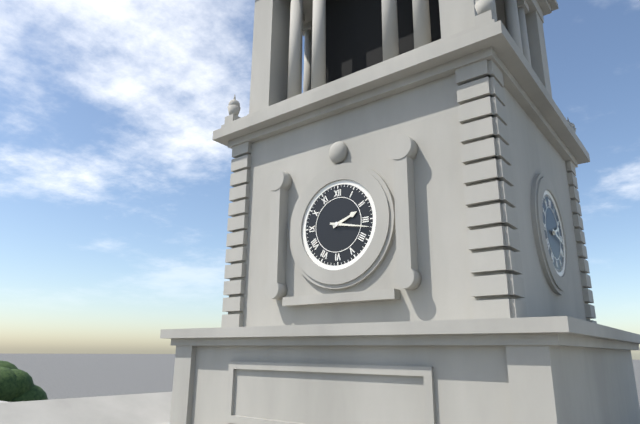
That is 2.17
